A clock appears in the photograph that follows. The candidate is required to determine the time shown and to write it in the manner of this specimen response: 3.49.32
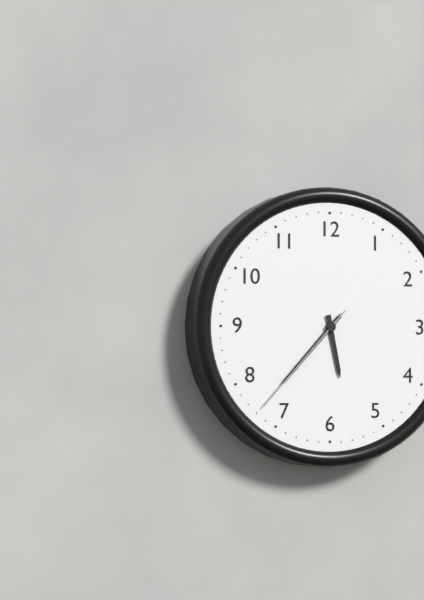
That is 5.37.37
